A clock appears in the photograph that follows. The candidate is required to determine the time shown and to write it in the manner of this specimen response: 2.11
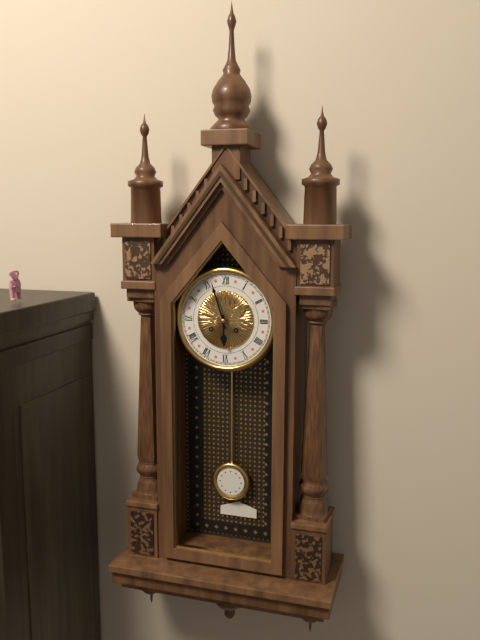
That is 5.57
